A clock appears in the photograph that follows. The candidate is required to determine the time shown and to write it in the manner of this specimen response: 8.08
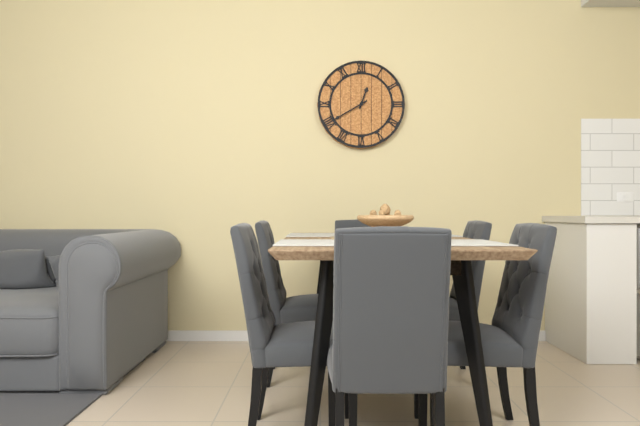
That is 12.40
